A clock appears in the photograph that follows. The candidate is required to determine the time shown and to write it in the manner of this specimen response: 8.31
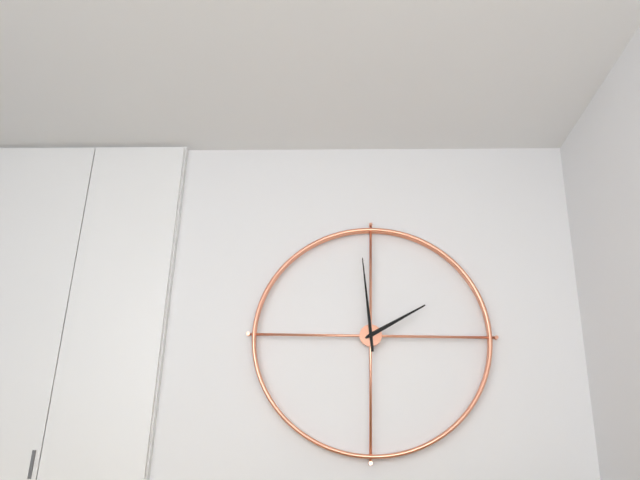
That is 1.59
